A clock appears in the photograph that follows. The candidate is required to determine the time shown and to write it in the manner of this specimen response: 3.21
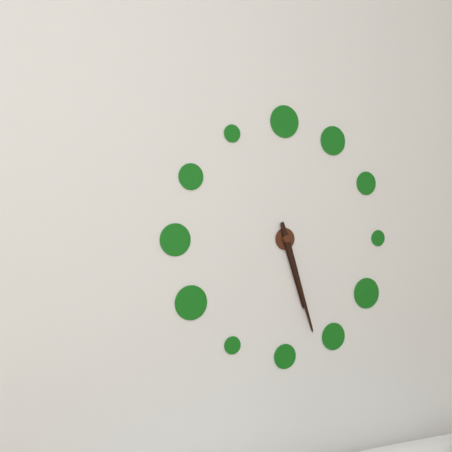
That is 5.27
